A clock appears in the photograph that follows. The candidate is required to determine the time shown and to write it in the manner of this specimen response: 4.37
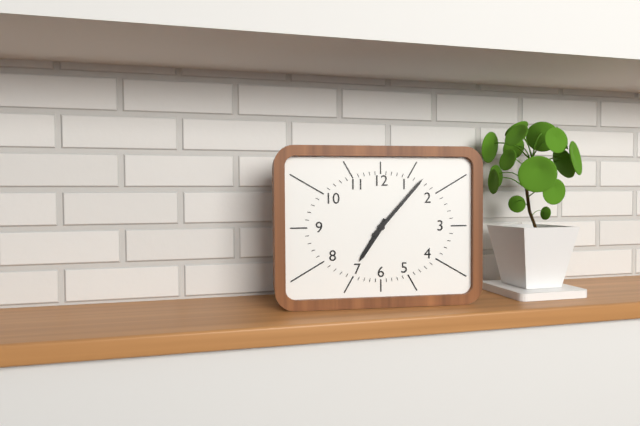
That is 7.07
